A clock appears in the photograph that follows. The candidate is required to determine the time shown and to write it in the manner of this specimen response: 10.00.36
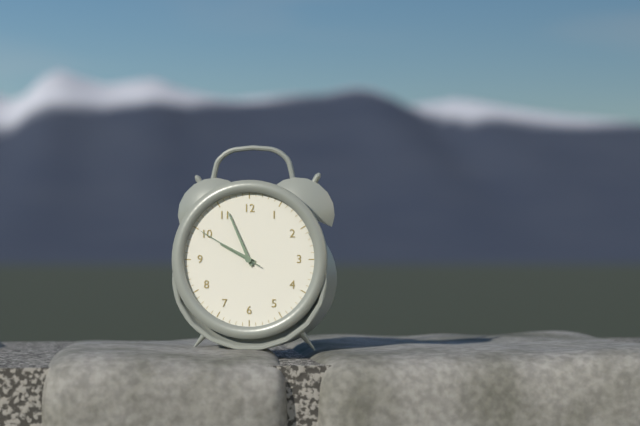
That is 9.56.50
